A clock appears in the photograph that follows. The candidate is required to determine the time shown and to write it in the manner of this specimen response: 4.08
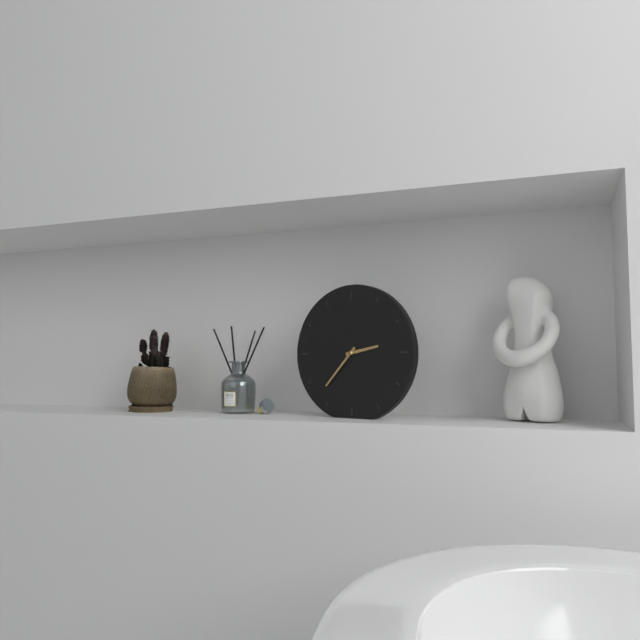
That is 2.37
